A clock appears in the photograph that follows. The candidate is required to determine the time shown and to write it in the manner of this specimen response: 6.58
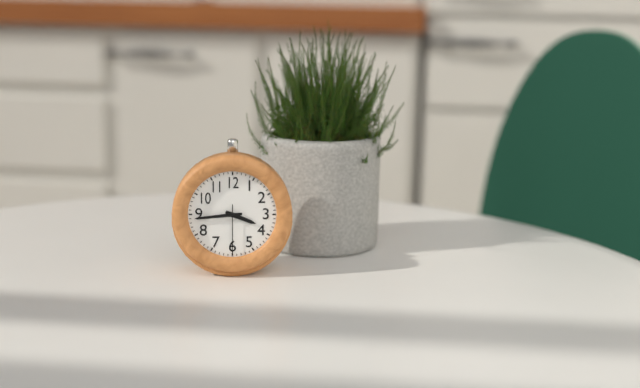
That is 3.44
